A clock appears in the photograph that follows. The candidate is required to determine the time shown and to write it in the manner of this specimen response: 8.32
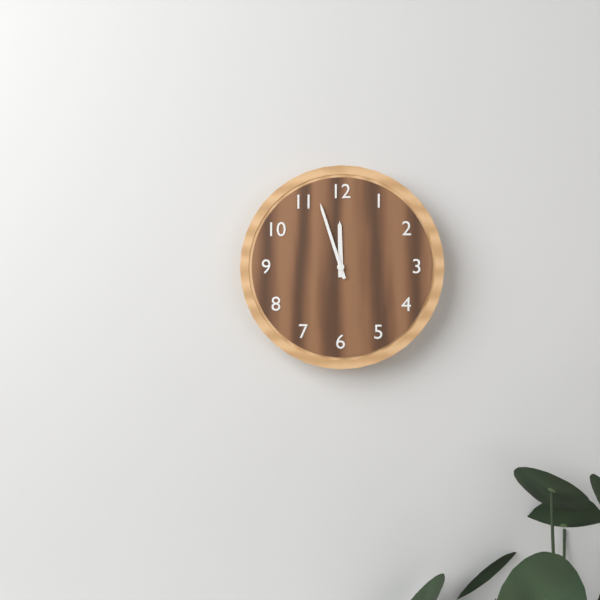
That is 11.57
